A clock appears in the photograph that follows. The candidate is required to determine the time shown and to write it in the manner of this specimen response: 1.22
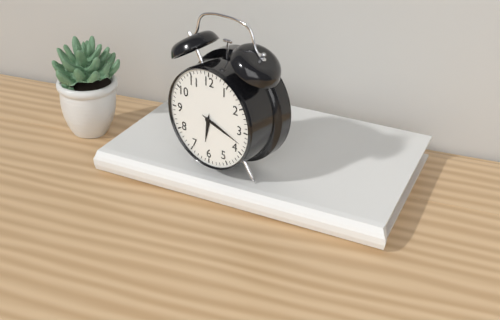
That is 6.18
